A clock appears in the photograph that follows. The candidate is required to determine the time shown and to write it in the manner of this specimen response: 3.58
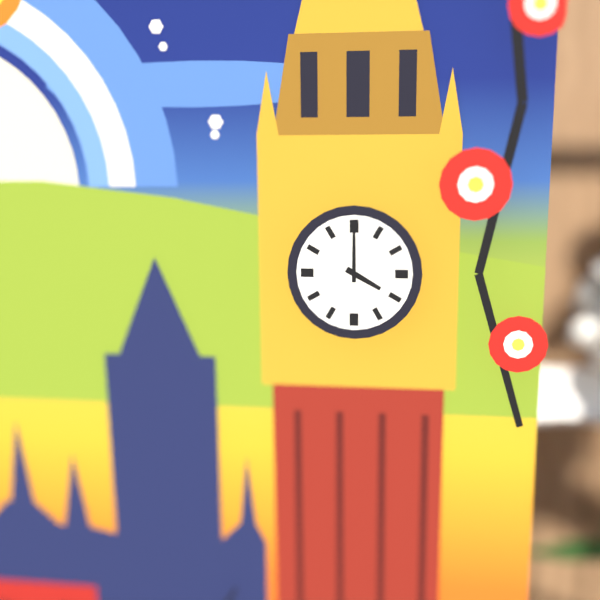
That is 4.00
